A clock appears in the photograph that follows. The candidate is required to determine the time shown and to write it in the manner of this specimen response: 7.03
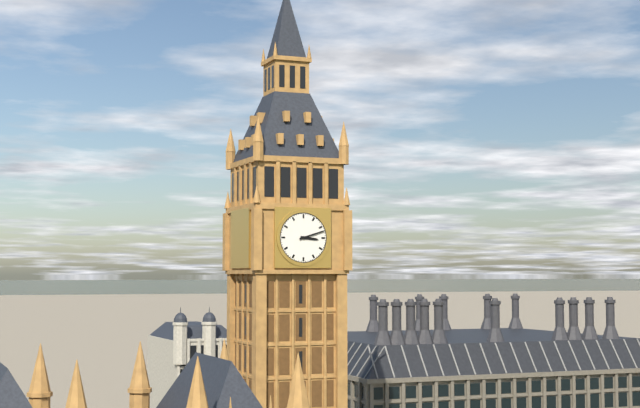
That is 3.12
